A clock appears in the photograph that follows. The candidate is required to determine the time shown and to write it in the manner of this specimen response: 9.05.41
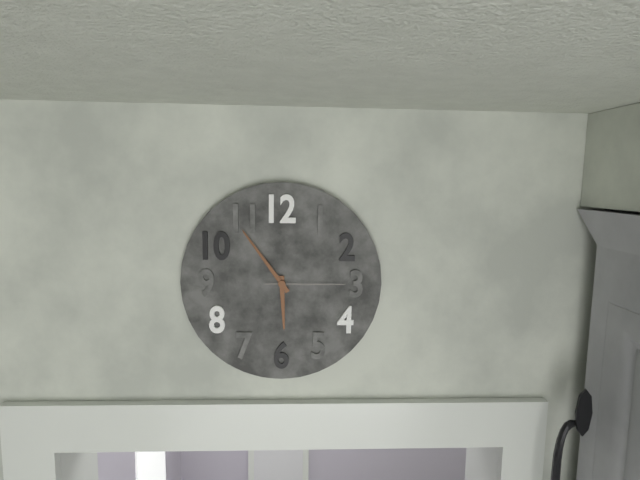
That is 5.54.15
